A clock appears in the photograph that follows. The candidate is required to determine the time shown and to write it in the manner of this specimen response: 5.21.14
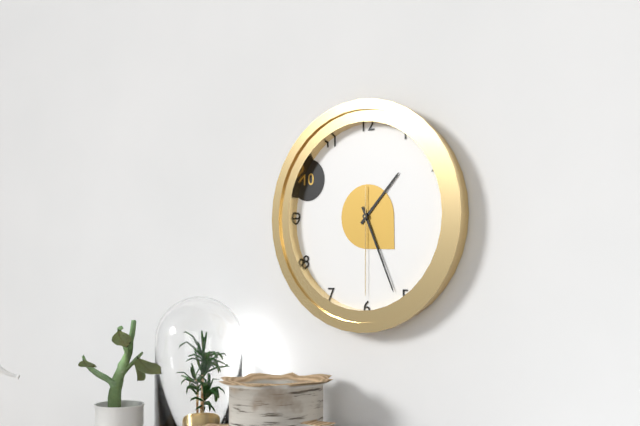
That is 1.26.30
